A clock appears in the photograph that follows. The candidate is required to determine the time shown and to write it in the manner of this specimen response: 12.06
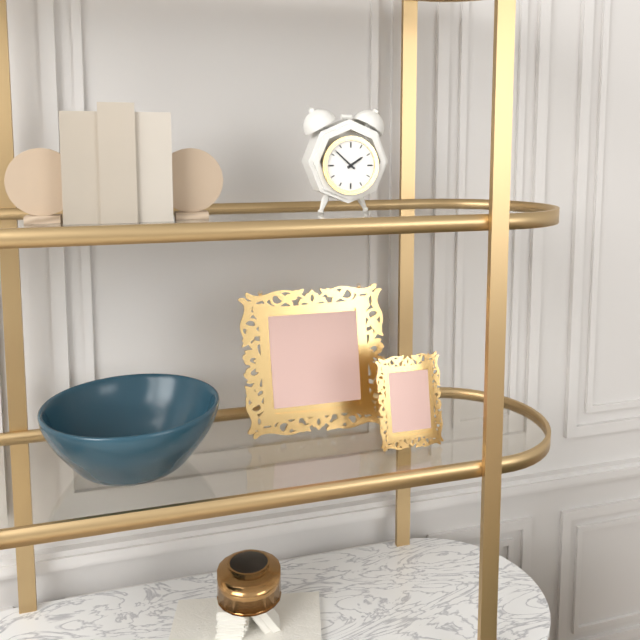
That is 1.52
